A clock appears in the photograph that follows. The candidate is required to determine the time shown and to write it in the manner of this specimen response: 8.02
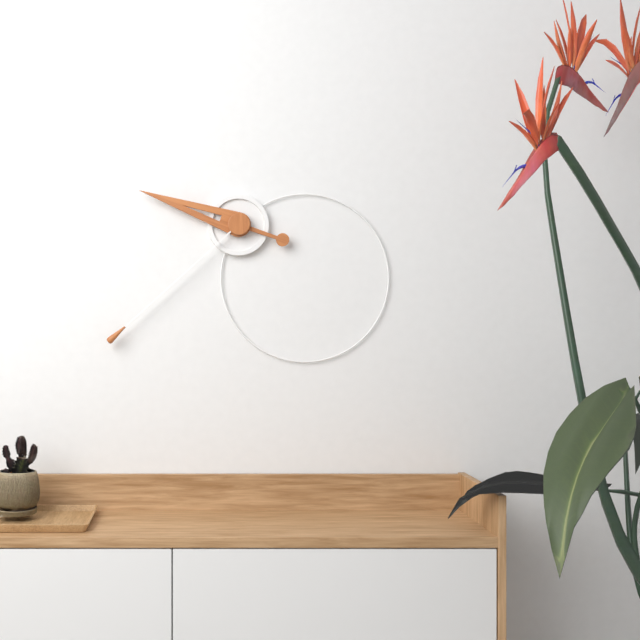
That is 9.38
